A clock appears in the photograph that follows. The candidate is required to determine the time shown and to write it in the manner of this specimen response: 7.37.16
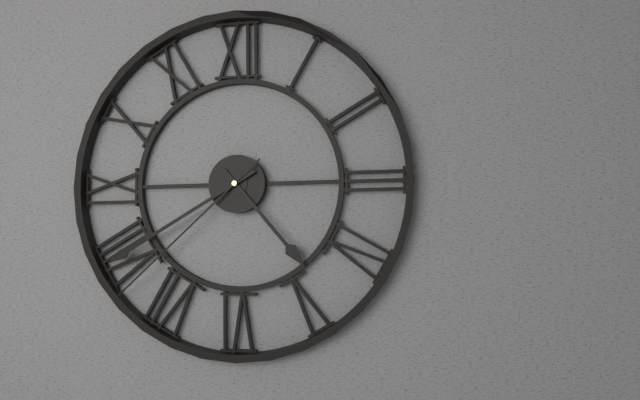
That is 4.40.38
